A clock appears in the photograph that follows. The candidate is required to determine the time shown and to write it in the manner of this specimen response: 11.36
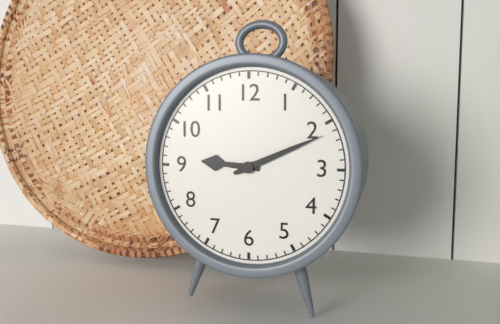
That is 9.11
